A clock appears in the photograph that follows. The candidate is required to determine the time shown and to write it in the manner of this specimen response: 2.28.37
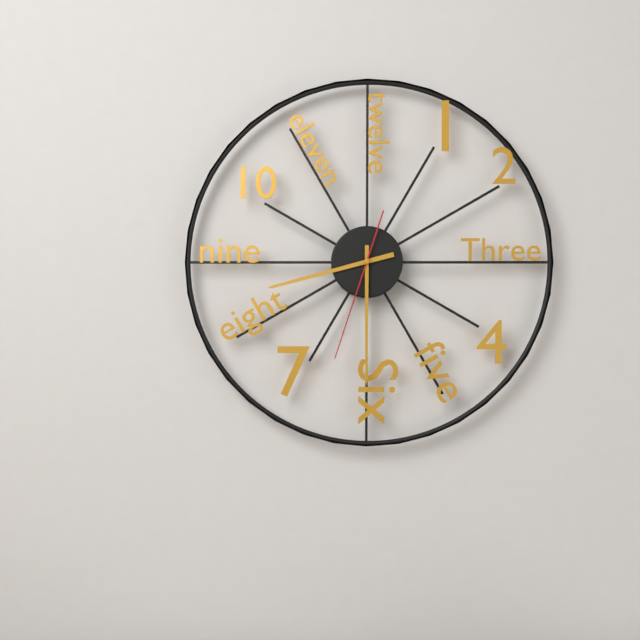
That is 8.30.33
